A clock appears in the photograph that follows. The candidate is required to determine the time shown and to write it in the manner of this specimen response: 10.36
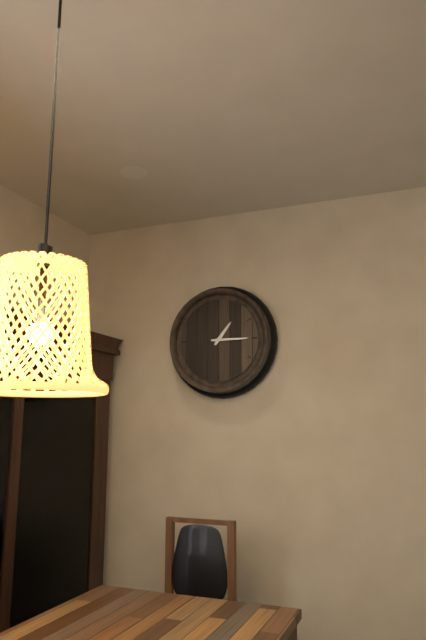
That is 1.15
